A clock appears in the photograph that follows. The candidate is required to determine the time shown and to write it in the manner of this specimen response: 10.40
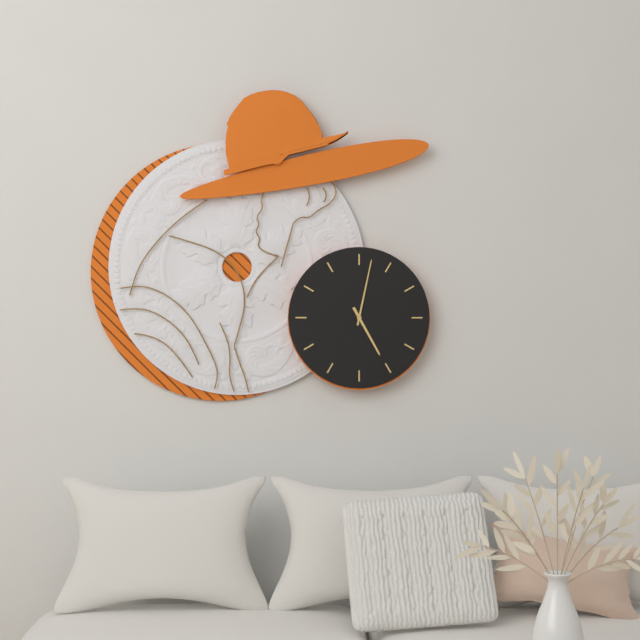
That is 5.02
